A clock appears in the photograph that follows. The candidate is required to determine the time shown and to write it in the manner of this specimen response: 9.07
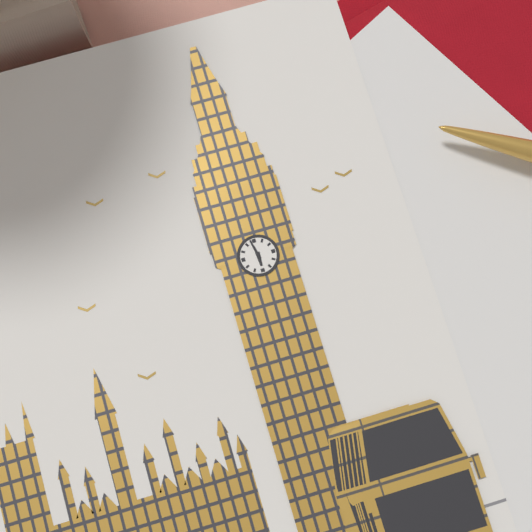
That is 5.58
